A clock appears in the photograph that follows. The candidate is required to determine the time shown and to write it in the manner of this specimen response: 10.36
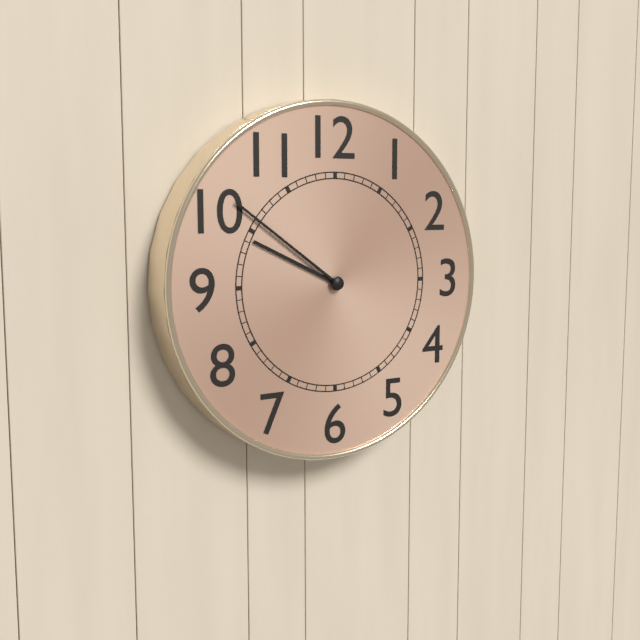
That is 9.51
